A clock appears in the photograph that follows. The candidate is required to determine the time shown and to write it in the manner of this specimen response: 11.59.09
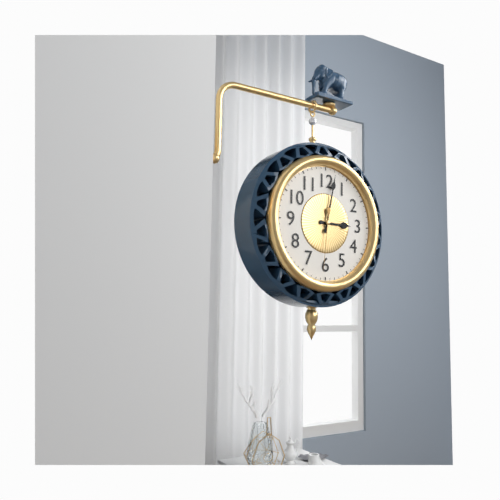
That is 3.02.31
